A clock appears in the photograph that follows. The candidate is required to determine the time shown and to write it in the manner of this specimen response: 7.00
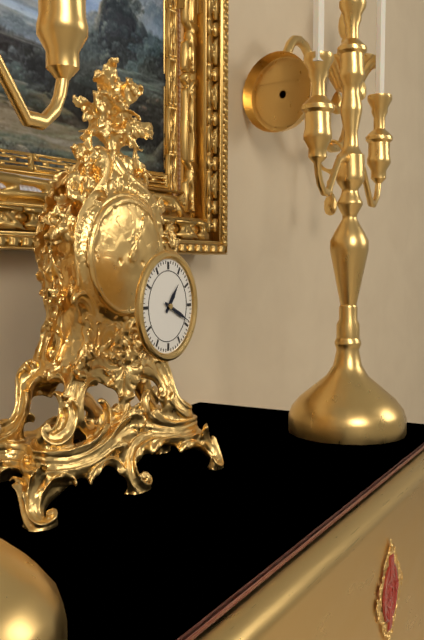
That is 1.19
